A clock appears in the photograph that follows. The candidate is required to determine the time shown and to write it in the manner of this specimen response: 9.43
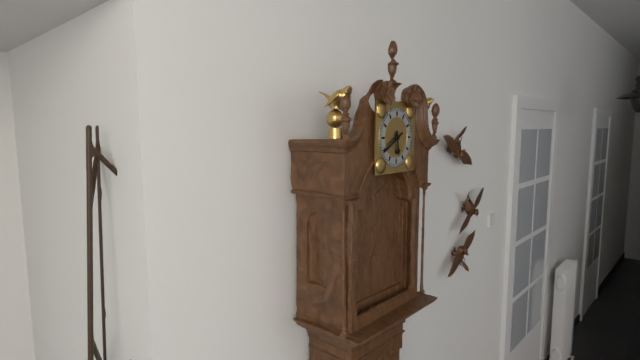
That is 5.40
